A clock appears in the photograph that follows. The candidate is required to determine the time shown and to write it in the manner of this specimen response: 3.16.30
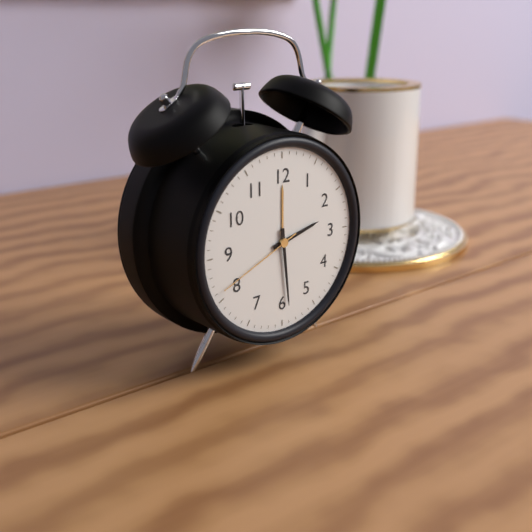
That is 2.29.41
